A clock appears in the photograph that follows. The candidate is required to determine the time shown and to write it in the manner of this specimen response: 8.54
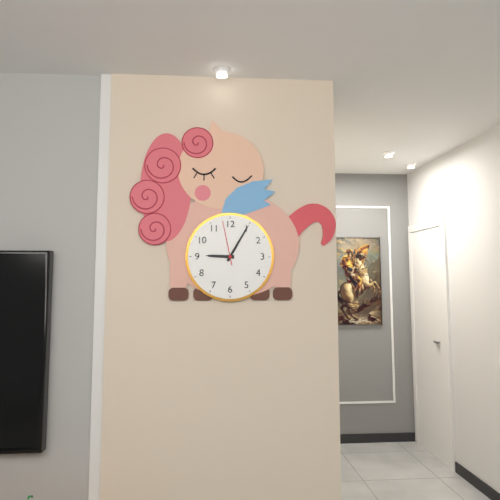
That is 9.05
